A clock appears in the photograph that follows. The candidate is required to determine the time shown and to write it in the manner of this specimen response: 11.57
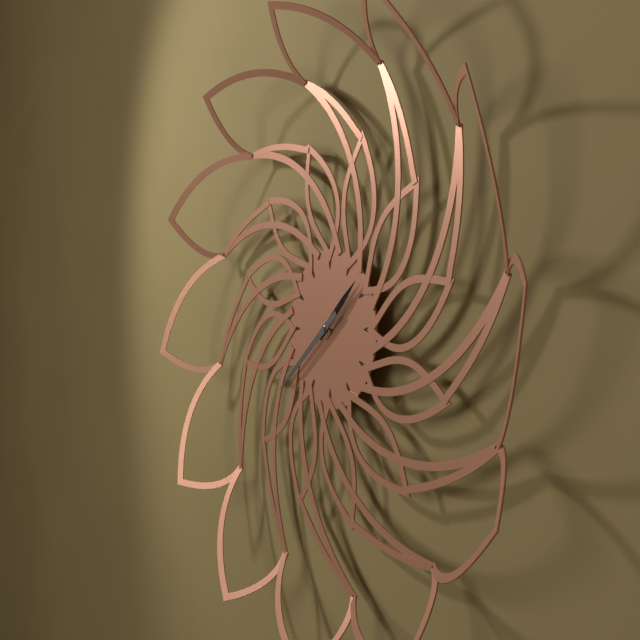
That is 1.39
